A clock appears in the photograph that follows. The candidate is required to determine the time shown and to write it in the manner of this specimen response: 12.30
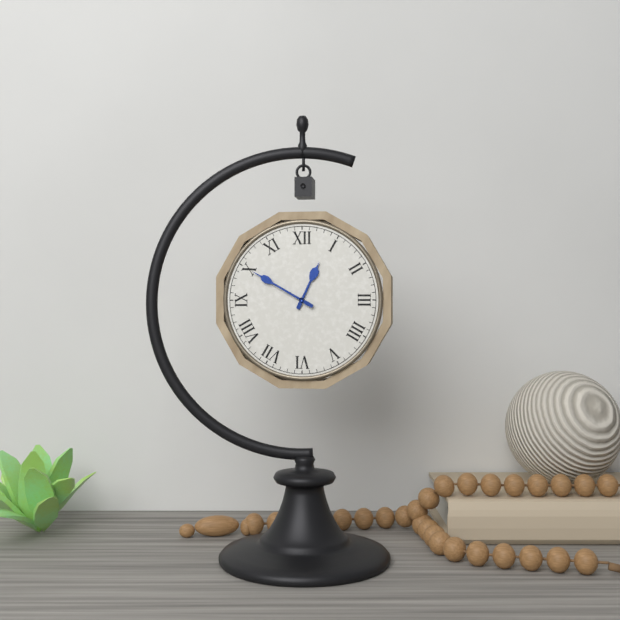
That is 12.50
